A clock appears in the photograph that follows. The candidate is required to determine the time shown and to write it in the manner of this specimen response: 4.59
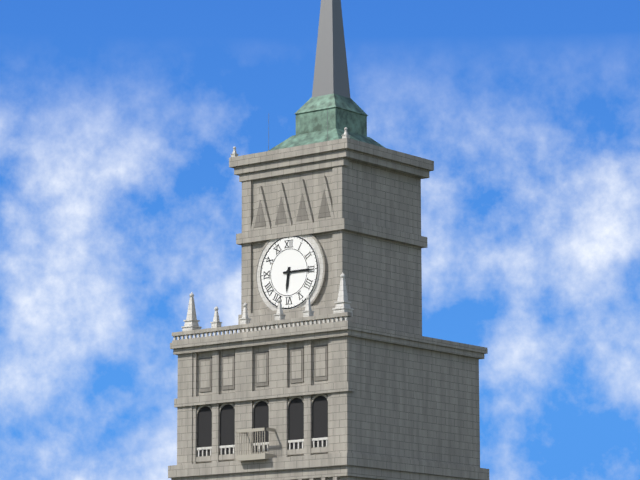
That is 6.15
